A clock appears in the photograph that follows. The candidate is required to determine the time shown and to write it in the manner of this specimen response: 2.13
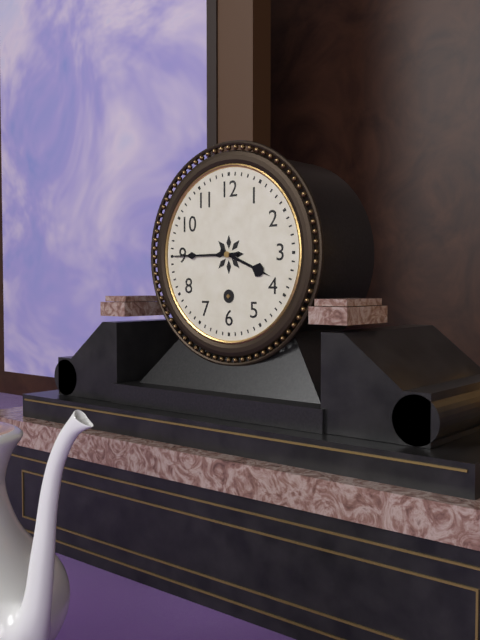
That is 3.45
